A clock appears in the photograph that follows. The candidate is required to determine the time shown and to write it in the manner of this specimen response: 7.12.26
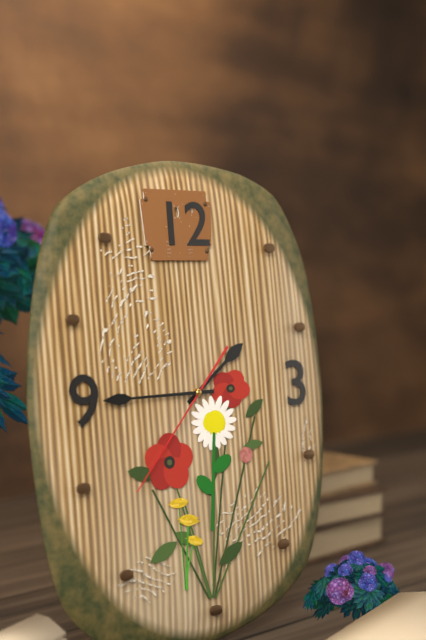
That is 1.45.37
